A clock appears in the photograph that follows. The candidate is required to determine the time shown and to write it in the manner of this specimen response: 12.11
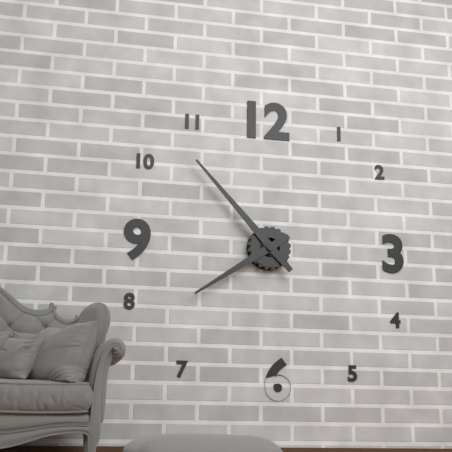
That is 7.53
